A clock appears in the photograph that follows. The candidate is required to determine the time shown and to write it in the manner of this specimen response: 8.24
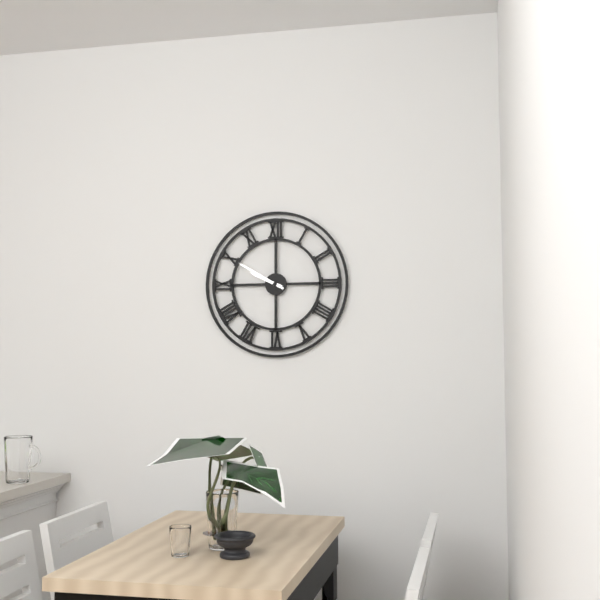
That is 9.50
